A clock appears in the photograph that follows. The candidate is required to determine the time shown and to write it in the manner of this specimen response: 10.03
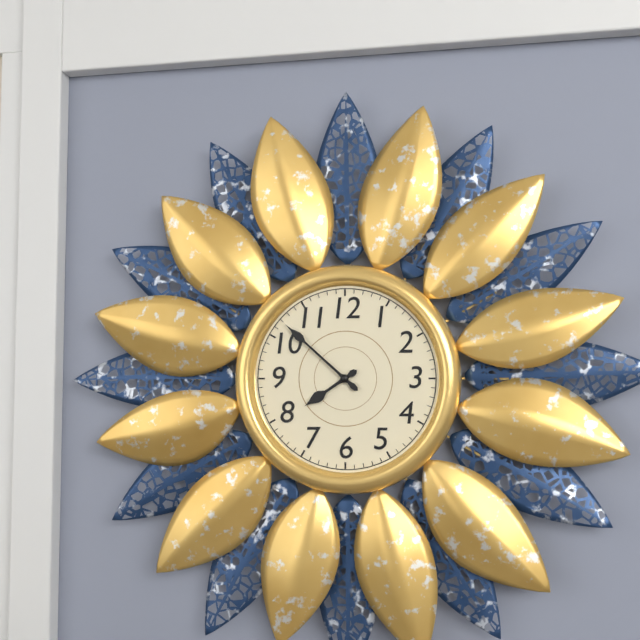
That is 7.52
